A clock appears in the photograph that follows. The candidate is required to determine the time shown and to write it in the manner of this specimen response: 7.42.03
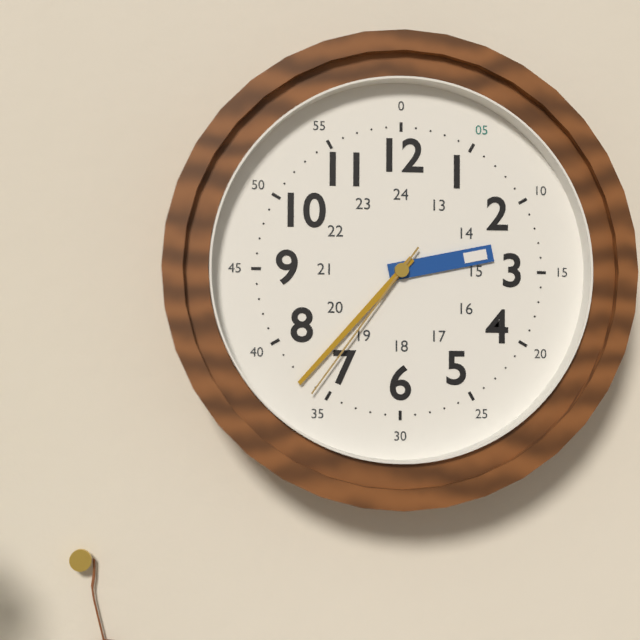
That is 2.37.36
